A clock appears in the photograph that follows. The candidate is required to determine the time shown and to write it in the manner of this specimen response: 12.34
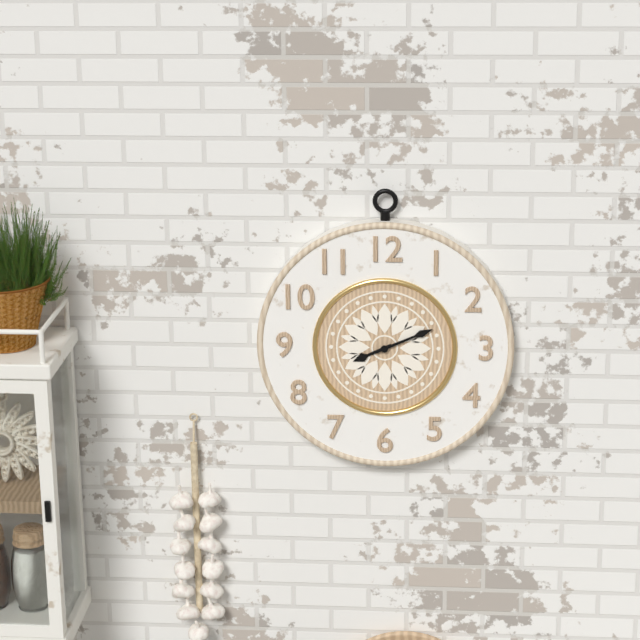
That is 8.11
